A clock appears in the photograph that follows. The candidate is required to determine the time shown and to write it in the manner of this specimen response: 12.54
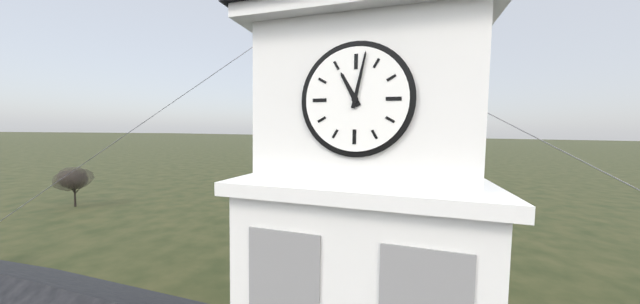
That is 11.02
